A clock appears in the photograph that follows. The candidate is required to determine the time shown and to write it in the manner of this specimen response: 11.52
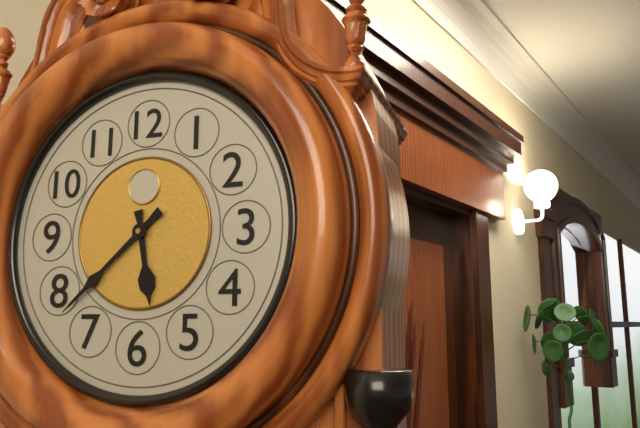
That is 5.38
